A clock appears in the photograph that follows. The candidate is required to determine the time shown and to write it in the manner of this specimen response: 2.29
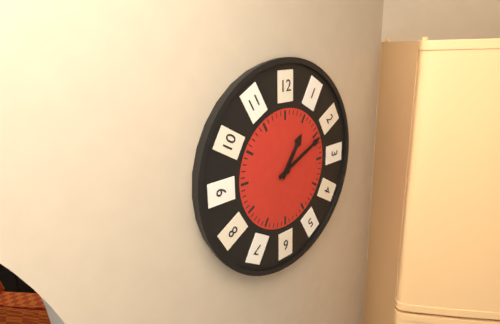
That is 1.11
